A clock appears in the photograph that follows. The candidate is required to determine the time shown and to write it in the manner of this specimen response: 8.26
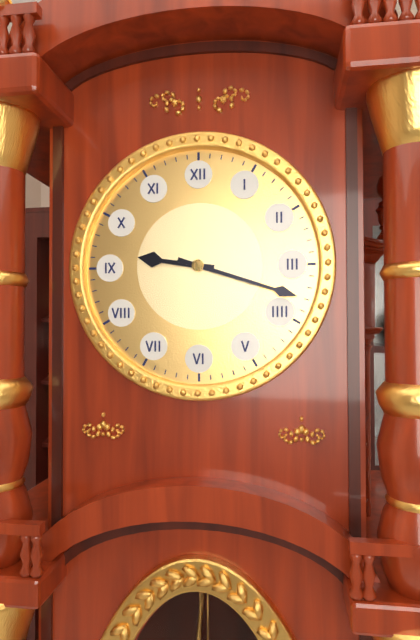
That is 9.18
